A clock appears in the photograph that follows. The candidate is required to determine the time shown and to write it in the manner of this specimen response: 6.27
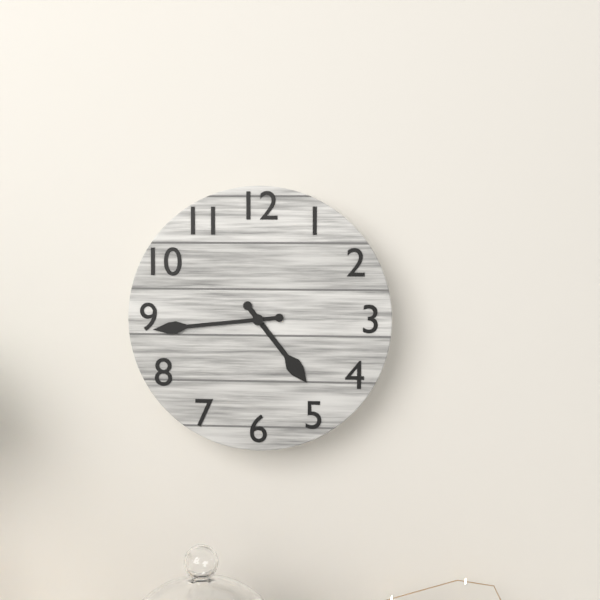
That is 4.44
